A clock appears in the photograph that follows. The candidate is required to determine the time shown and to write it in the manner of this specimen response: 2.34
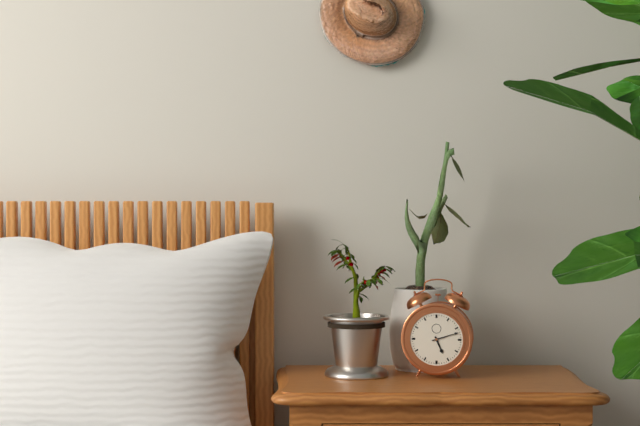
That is 5.12
